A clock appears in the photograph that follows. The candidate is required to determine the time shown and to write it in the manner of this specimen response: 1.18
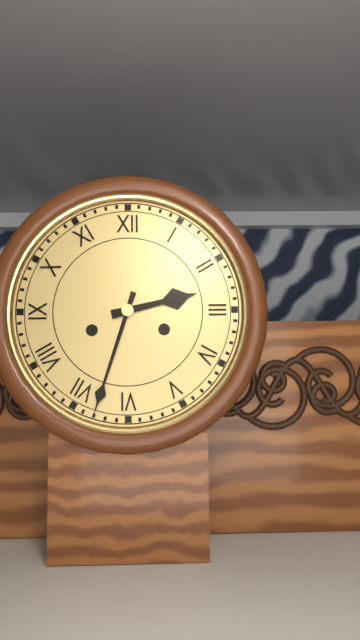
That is 2.33
